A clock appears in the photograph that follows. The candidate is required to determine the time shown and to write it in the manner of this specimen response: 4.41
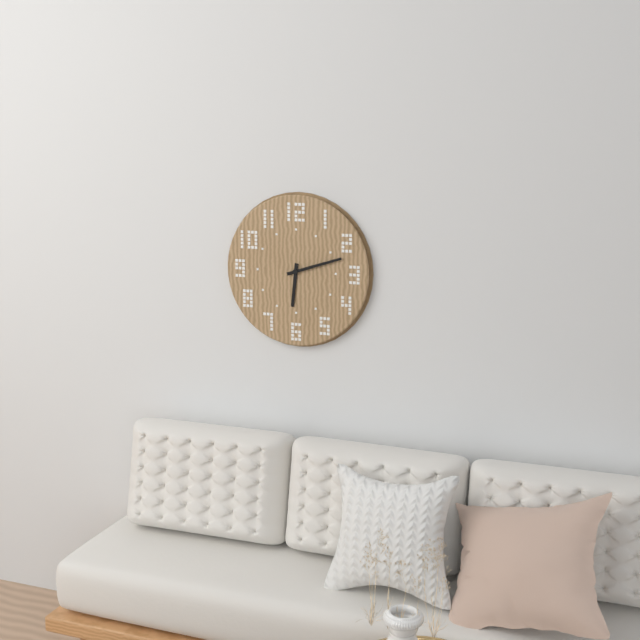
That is 6.12
